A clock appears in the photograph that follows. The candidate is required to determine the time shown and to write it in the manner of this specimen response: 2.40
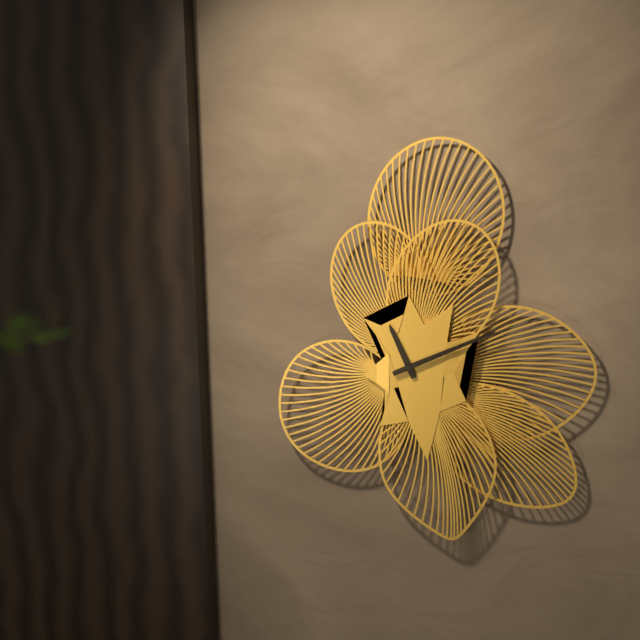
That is 11.11
